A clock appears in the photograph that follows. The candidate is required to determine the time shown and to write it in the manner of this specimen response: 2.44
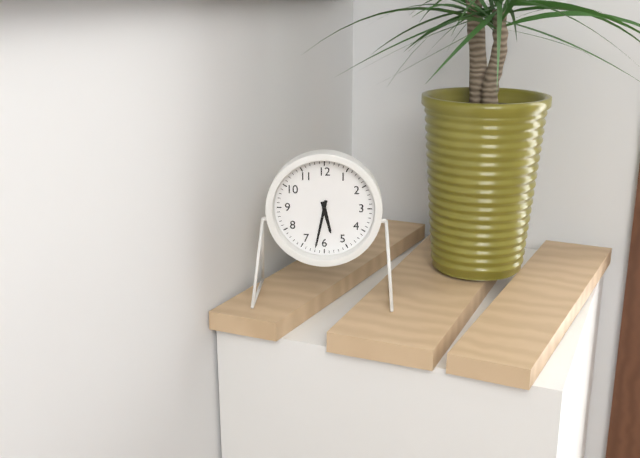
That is 5.32
